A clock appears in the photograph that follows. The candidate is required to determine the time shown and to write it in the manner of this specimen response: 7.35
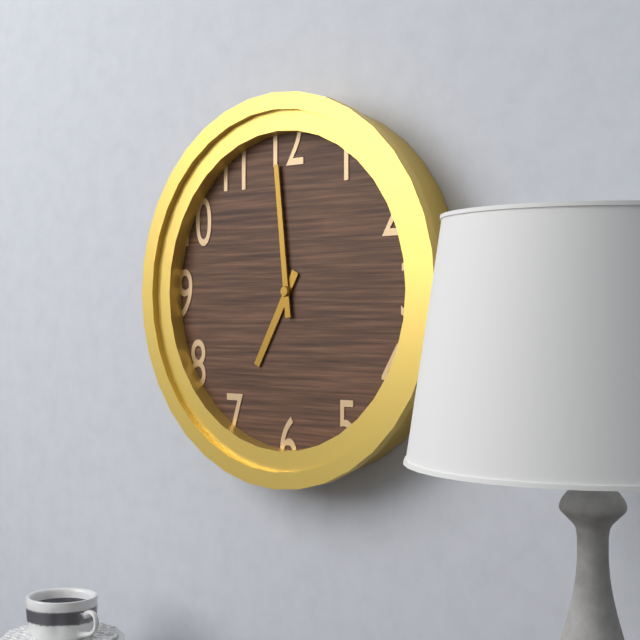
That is 6.59
